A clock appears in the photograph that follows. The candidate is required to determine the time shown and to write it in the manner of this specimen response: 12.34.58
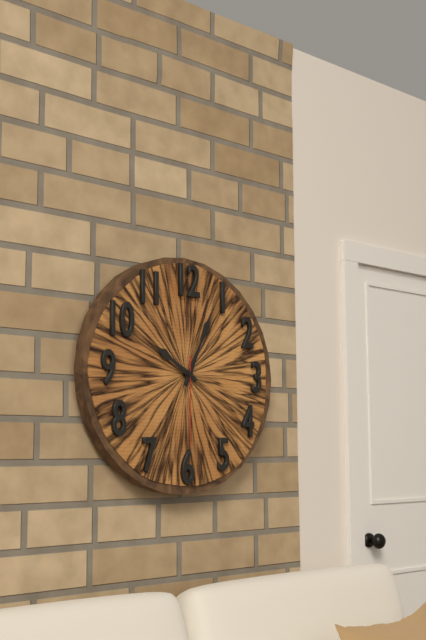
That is 10.04.30
